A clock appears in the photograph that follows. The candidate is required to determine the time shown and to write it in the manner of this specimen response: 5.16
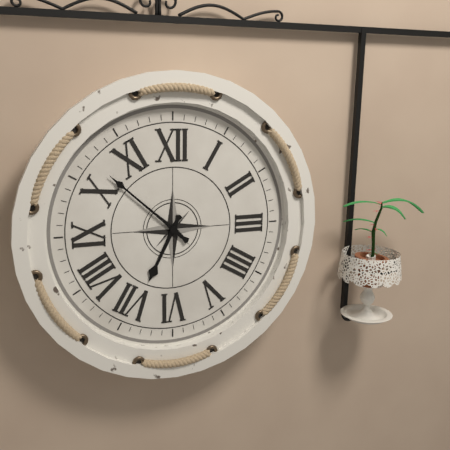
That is 6.52
